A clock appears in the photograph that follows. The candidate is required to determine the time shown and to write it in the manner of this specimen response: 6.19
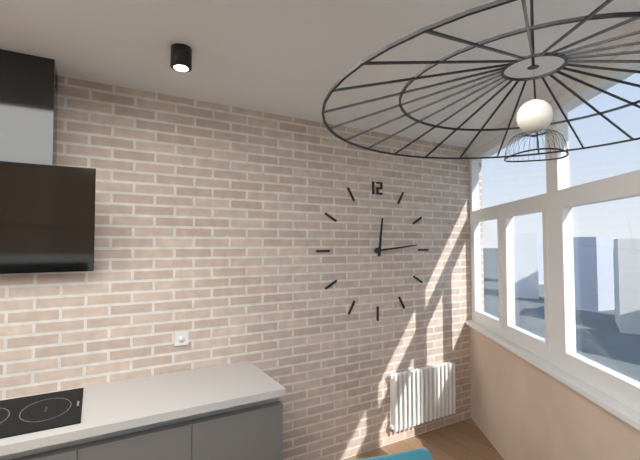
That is 12.14
